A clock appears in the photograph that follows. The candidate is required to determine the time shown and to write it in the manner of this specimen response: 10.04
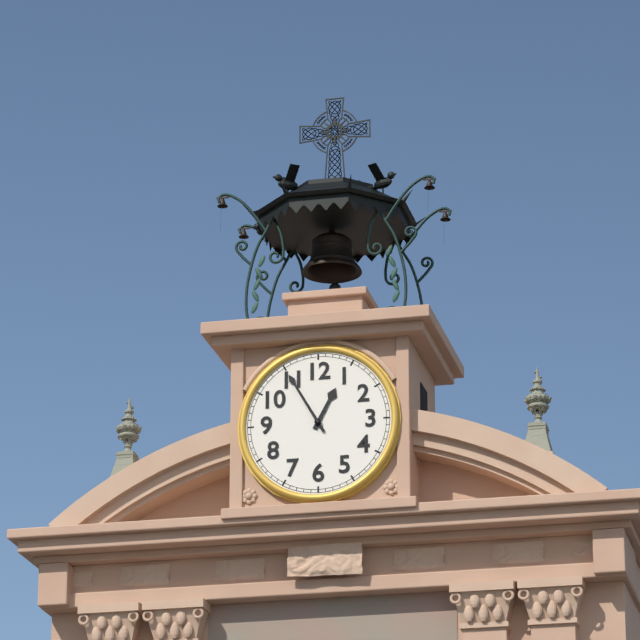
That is 12.55
